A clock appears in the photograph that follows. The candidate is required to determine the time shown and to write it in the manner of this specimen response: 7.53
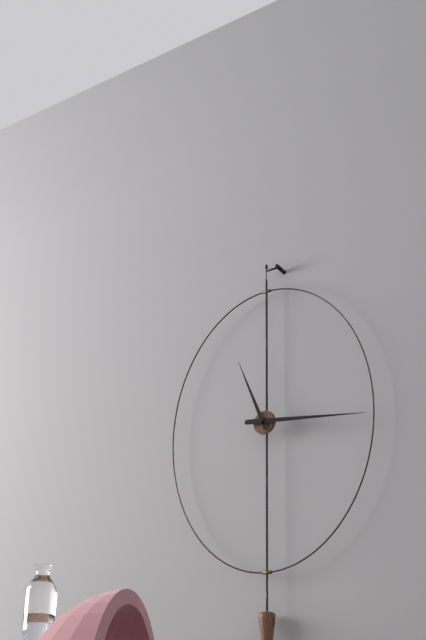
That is 11.16
